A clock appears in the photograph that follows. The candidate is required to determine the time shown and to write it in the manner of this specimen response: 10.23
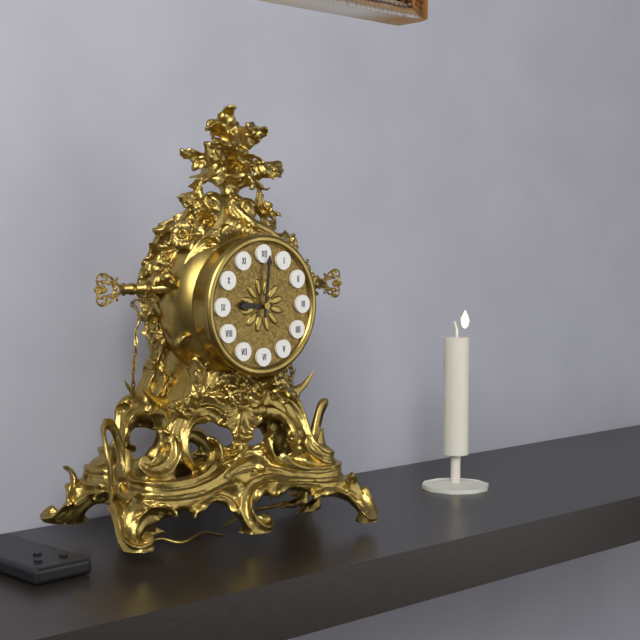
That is 9.01
